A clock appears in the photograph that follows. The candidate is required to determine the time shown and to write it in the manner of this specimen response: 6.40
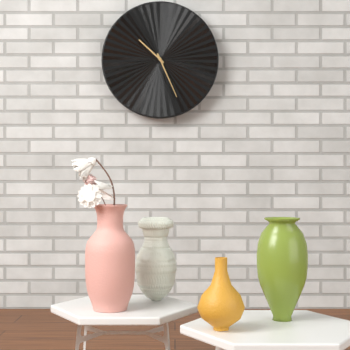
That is 10.26
